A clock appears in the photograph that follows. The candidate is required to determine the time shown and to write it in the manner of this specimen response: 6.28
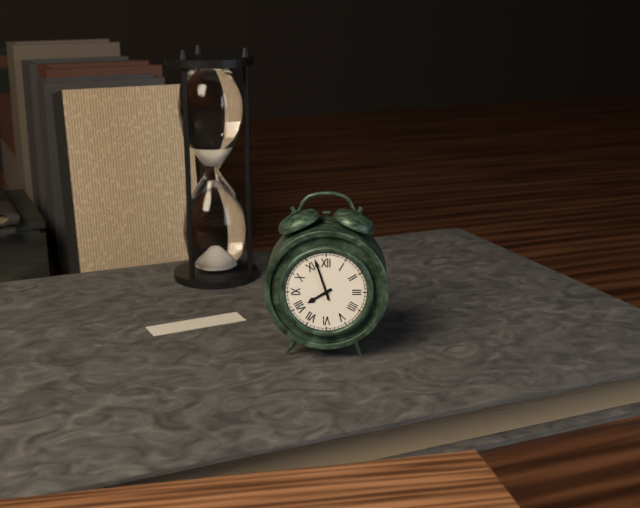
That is 7.57
